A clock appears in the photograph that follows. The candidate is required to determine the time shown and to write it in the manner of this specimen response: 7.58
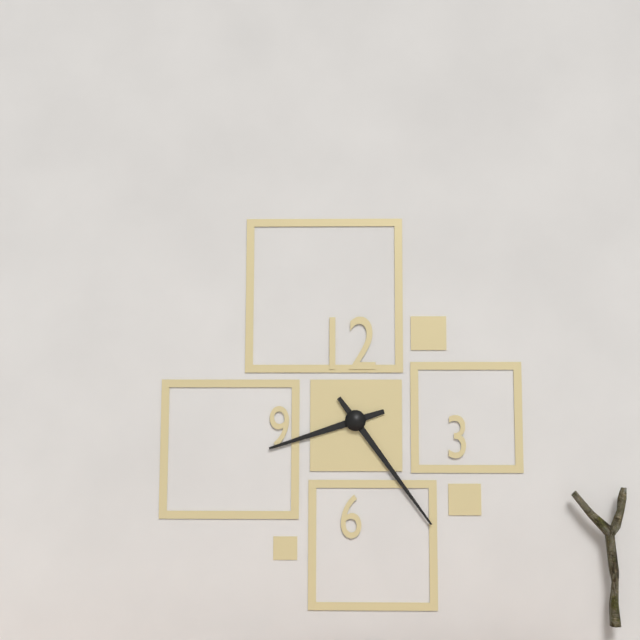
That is 8.24
